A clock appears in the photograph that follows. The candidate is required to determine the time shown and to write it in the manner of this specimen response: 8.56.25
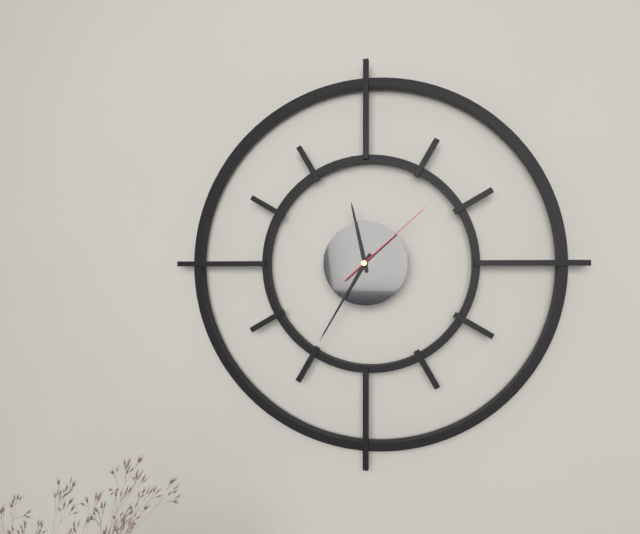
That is 11.35.08
